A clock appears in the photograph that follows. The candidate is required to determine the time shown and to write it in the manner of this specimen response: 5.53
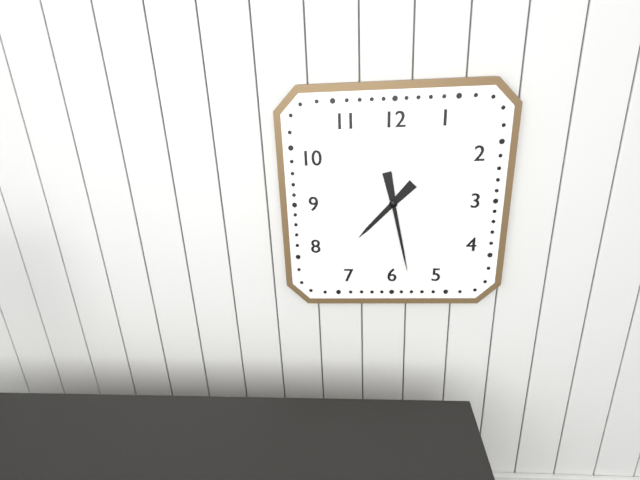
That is 7.28
